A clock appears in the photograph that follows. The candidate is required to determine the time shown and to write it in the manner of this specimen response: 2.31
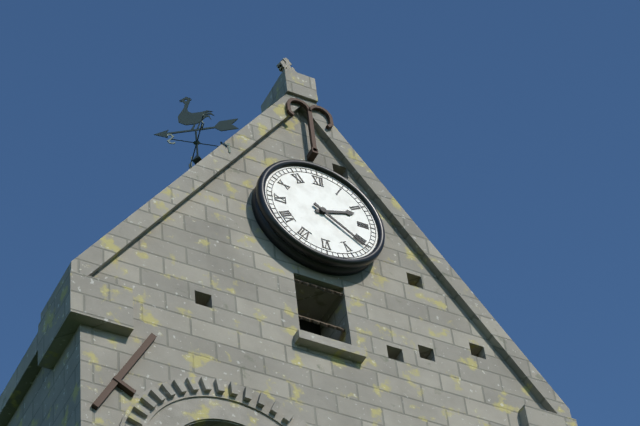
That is 2.21
